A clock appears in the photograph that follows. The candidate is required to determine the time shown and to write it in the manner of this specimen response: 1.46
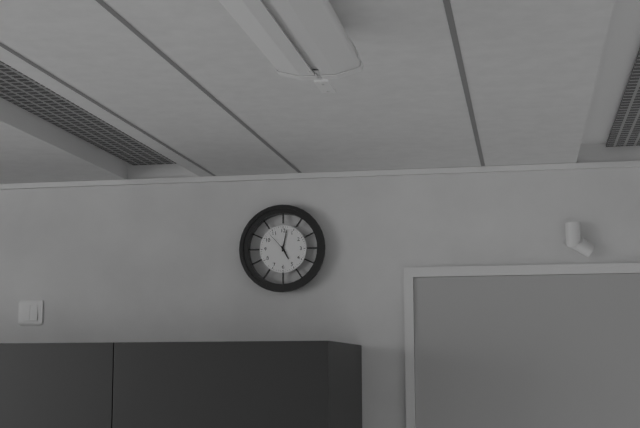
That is 5.02
